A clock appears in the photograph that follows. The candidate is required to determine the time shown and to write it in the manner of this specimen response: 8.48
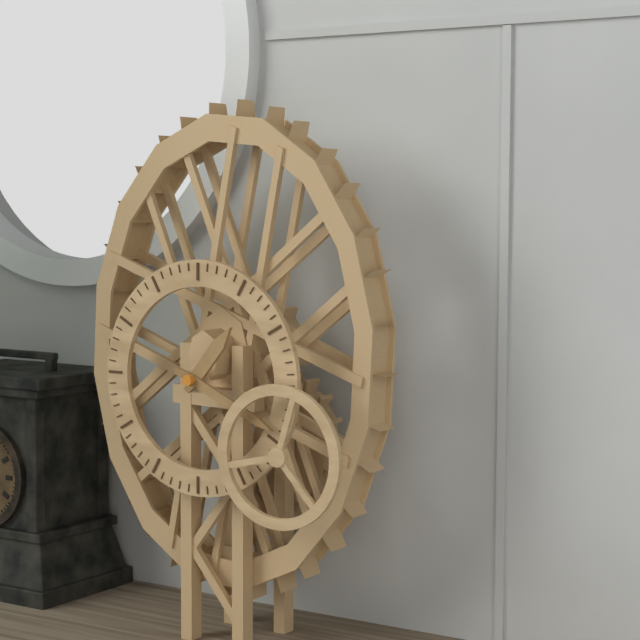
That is 1.19
